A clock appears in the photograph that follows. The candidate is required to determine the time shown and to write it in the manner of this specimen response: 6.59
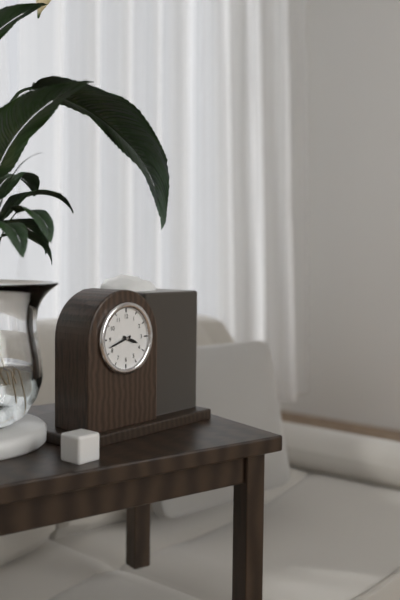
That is 3.42
